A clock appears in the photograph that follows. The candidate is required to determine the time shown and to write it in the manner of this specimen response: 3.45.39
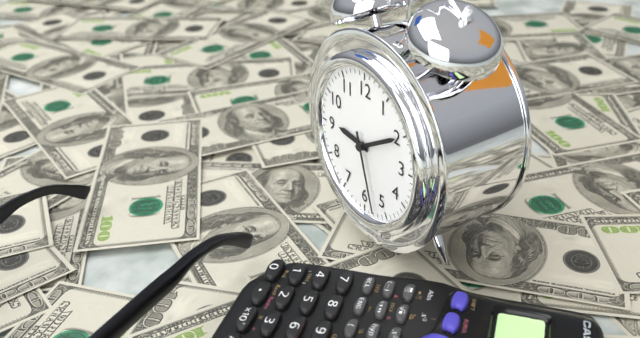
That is 9.10.27
